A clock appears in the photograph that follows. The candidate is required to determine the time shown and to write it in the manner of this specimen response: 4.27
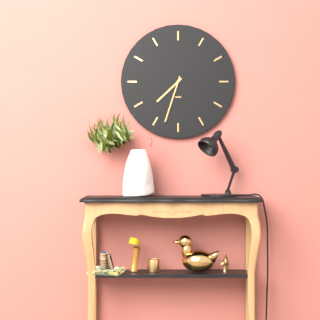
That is 7.33
